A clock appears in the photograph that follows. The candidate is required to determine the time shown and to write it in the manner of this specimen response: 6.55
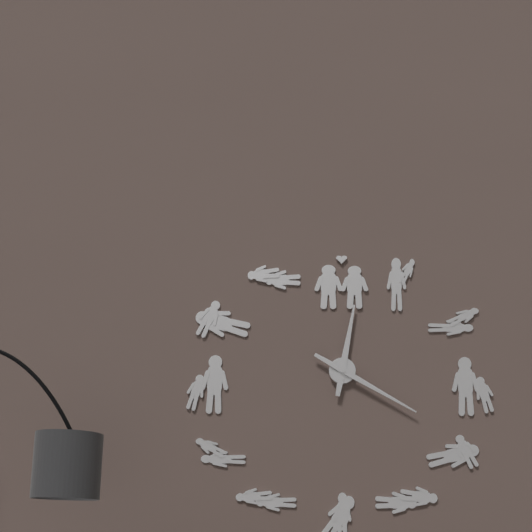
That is 12.20
